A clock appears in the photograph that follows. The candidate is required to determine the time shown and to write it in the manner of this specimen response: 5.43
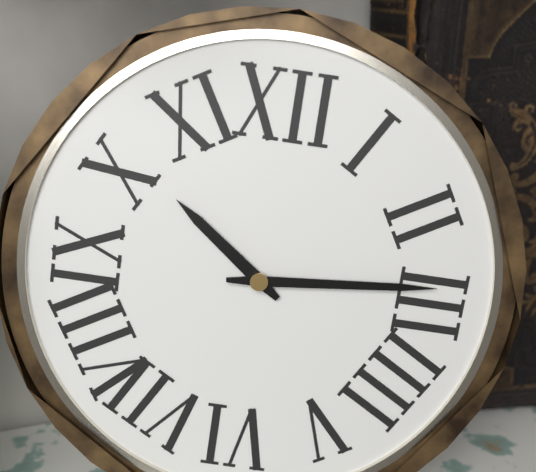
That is 10.14
